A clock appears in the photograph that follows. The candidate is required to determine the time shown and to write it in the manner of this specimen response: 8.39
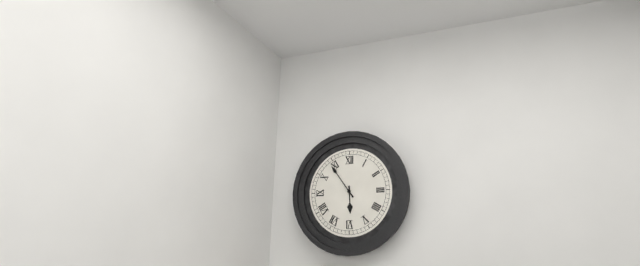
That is 5.54
